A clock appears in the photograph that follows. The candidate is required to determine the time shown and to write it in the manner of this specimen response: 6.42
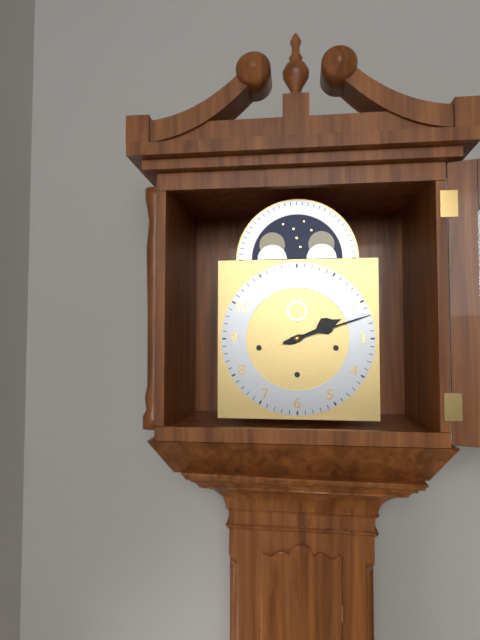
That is 2.12
